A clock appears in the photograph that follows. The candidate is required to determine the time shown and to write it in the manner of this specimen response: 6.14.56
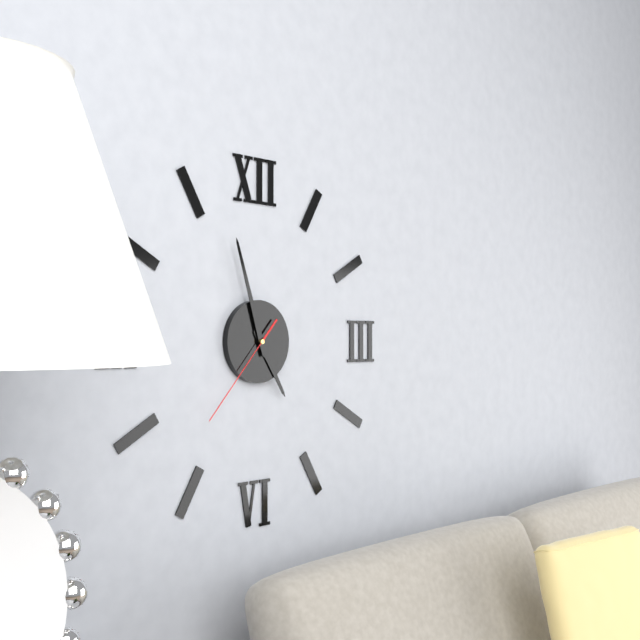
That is 4.57.37
